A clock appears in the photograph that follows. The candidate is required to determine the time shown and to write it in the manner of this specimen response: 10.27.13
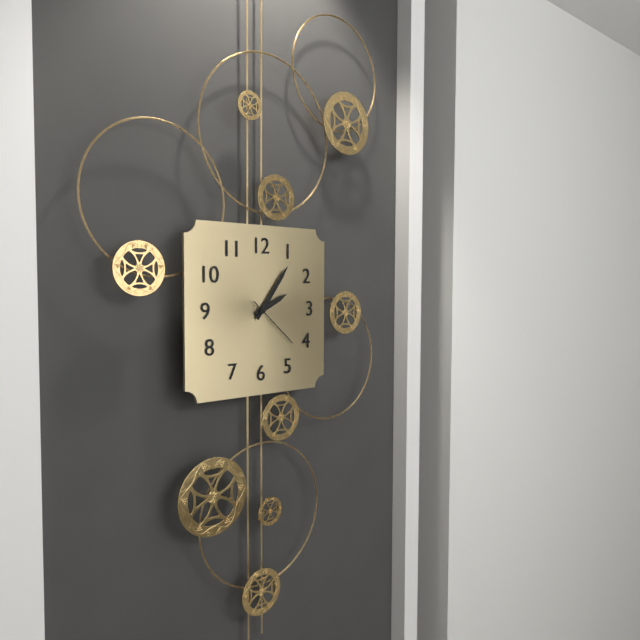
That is 2.06.22
